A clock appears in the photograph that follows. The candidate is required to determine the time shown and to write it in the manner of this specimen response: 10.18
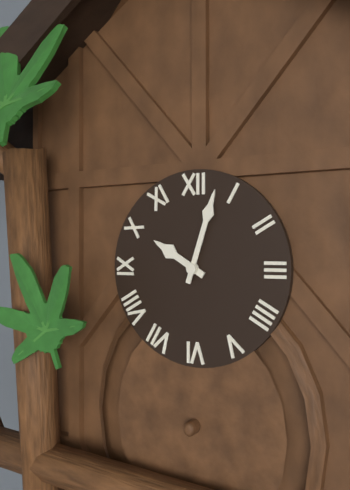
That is 10.03
